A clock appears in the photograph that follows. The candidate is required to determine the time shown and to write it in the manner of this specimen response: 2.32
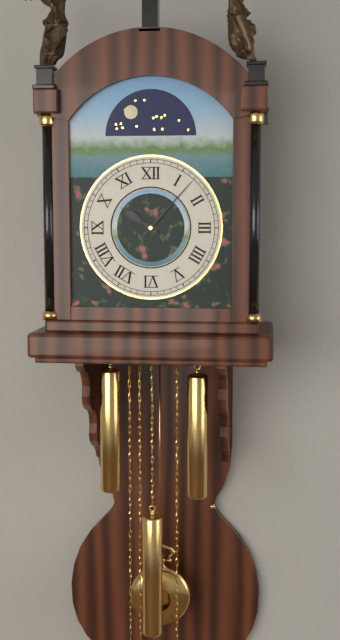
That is 10.07
